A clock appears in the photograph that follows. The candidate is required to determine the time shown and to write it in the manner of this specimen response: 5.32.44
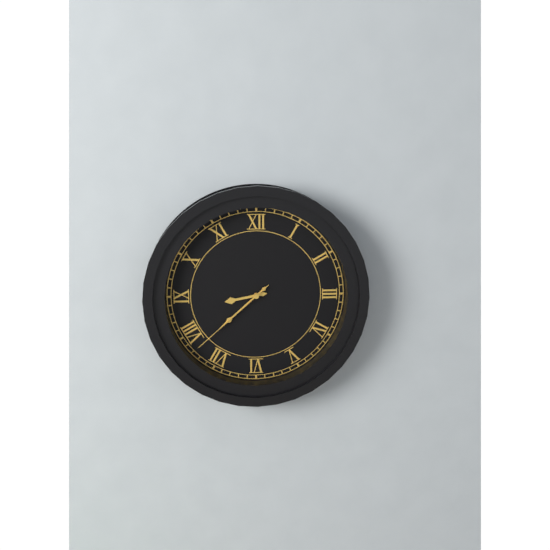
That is 8.38.38
